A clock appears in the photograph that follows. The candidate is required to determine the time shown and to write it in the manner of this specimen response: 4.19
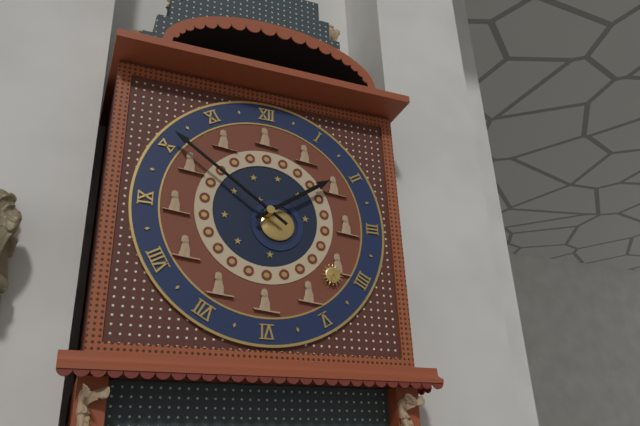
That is 1.51
